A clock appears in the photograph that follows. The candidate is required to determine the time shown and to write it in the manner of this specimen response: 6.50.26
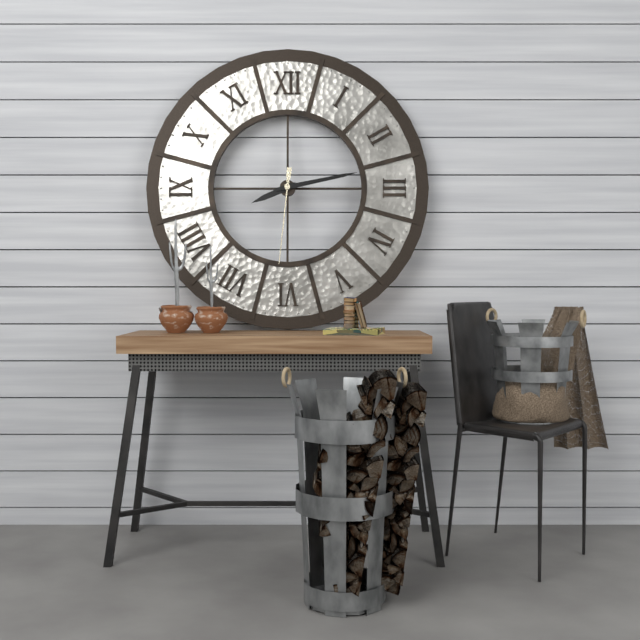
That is 8.13.31
